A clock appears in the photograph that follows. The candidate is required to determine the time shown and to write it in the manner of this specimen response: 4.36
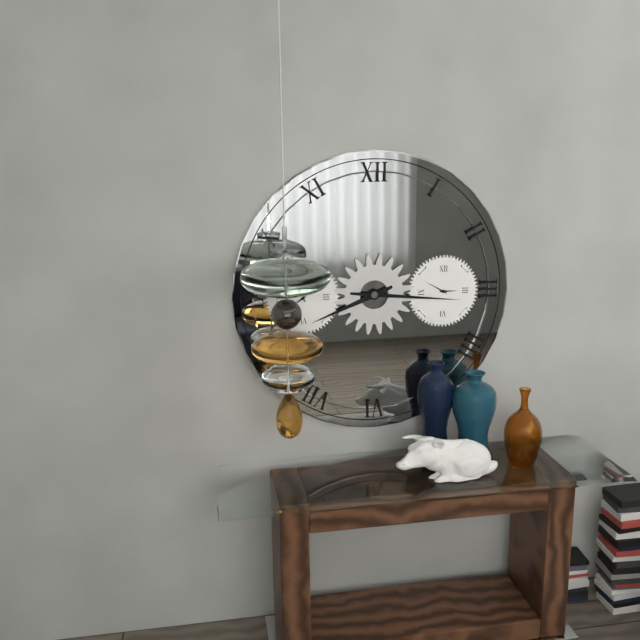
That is 8.16
